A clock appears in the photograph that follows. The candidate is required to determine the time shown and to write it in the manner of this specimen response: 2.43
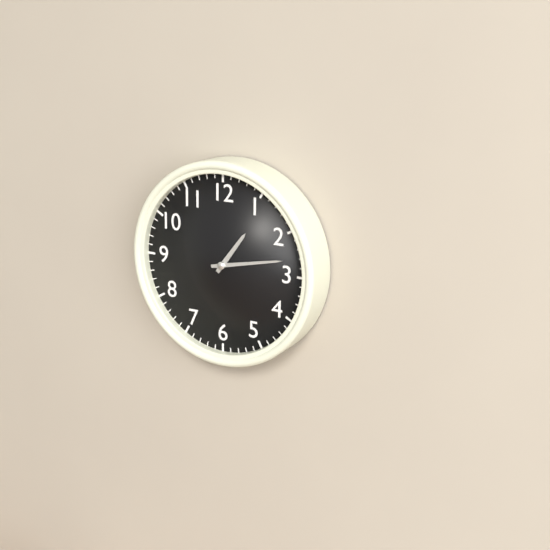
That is 1.13
